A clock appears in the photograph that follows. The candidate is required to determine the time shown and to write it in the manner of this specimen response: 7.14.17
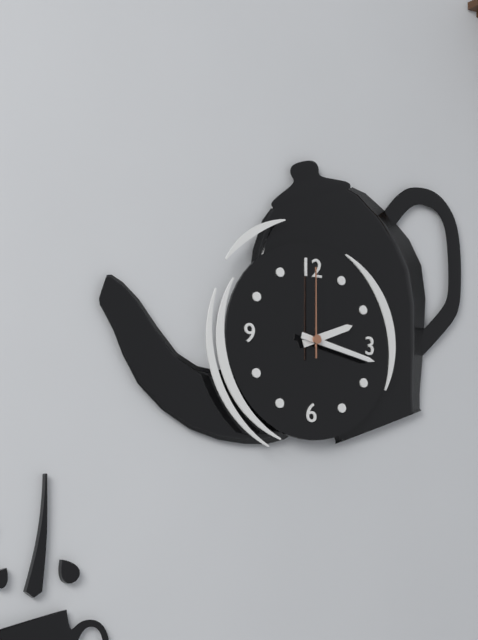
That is 2.17.00
